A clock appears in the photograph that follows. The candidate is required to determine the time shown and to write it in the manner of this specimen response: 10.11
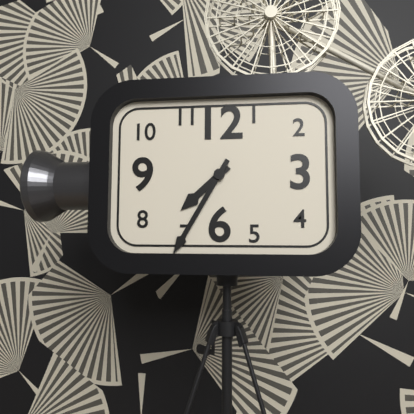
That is 7.35
